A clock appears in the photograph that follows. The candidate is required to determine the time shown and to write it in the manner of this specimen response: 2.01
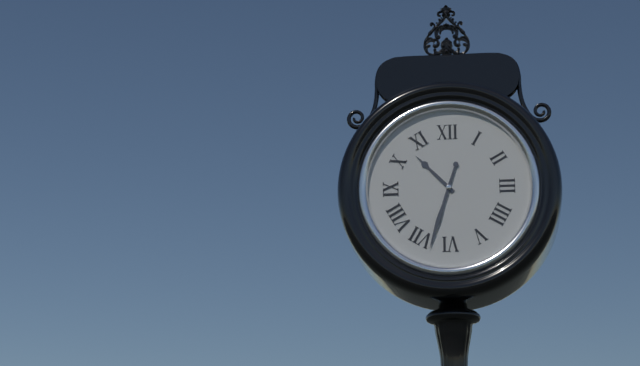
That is 10.33
